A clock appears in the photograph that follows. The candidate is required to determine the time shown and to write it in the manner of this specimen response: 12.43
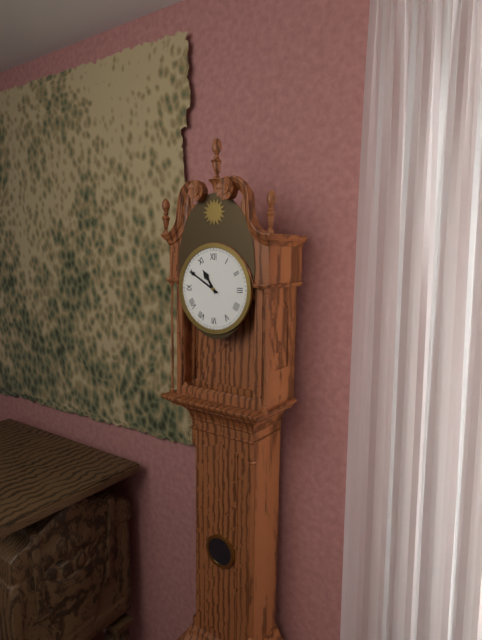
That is 10.50
